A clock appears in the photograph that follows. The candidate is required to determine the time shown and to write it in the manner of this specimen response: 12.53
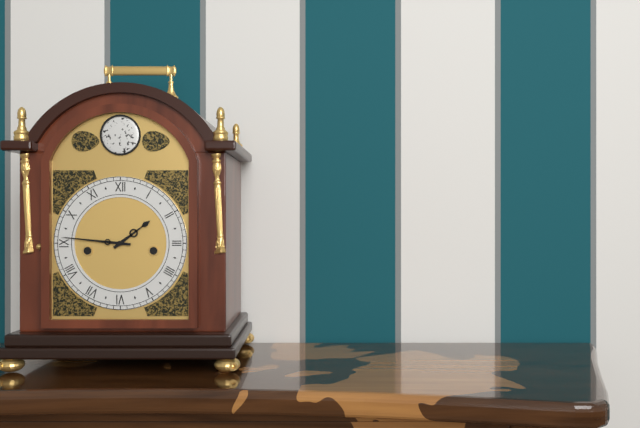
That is 1.46
